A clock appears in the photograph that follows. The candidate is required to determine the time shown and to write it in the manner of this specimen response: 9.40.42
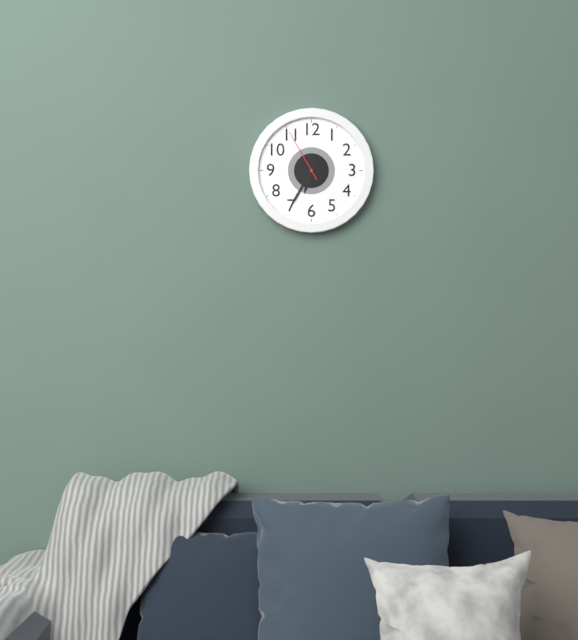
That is 6.35.55
